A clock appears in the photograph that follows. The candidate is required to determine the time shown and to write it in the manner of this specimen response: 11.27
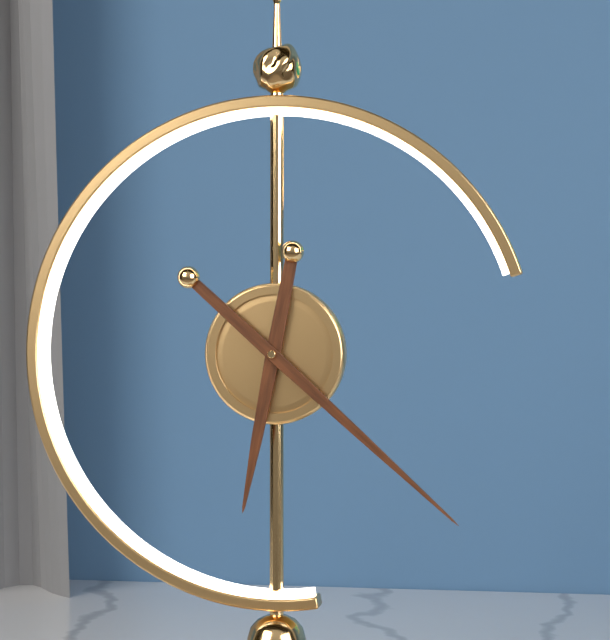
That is 6.22
